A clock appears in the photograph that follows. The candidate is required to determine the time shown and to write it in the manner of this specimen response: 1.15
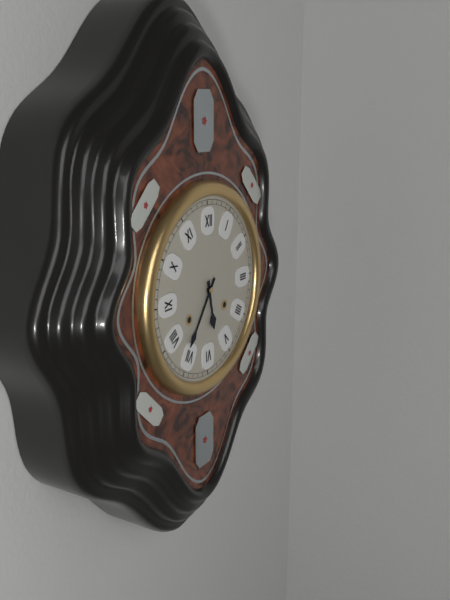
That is 5.36
